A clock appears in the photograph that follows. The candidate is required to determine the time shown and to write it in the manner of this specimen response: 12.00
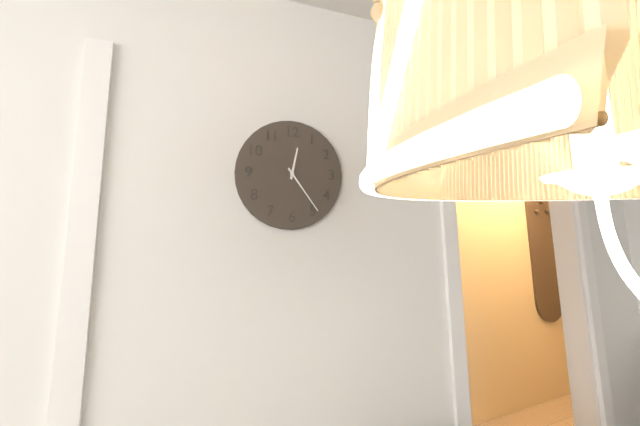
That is 12.24
